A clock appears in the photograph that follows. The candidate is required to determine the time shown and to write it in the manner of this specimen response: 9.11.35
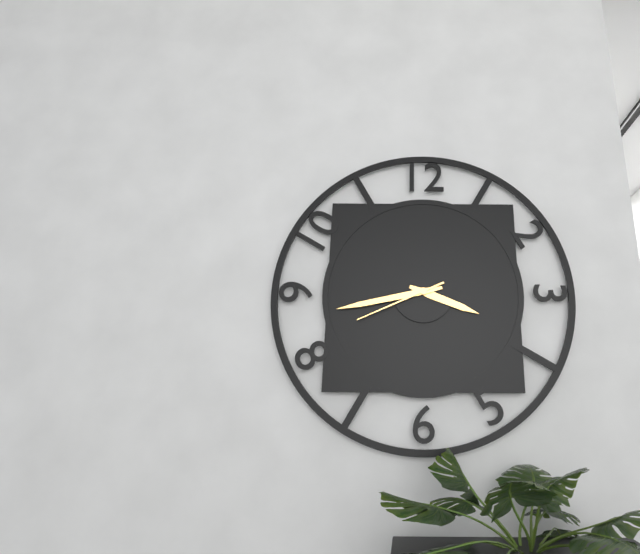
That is 3.43.41
